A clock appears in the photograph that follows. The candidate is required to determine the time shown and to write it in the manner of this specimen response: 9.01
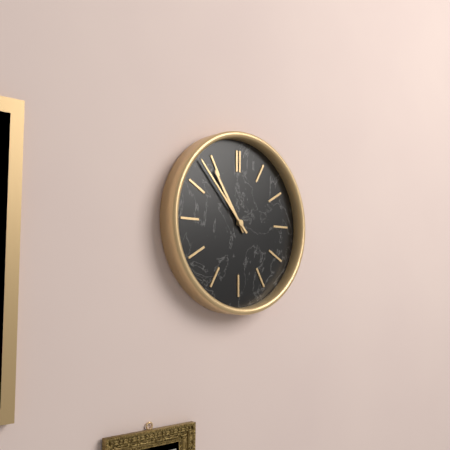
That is 10.53
